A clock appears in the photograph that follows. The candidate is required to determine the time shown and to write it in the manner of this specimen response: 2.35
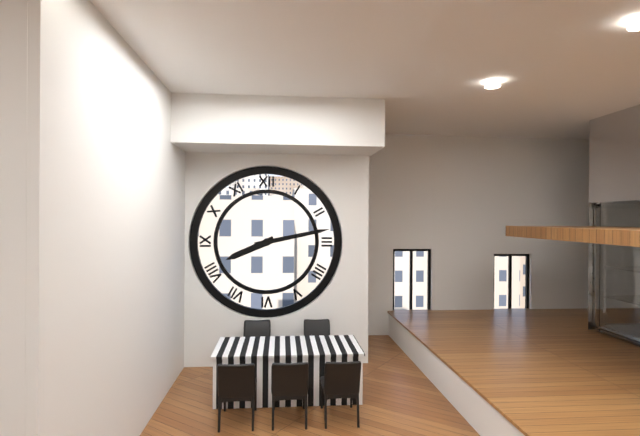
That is 8.13
